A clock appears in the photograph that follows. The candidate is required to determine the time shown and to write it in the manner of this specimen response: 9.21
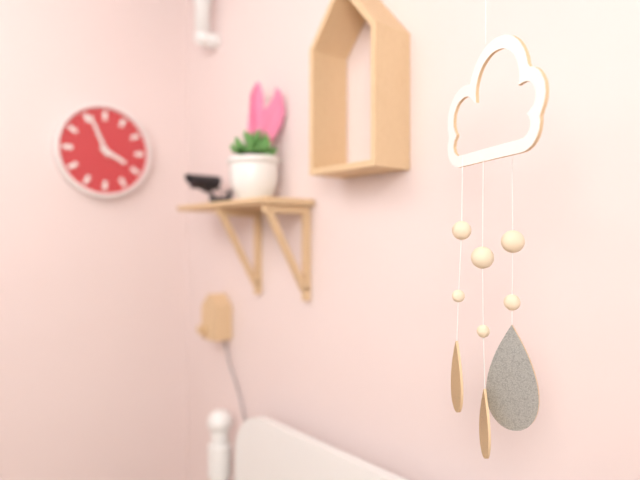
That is 3.56
